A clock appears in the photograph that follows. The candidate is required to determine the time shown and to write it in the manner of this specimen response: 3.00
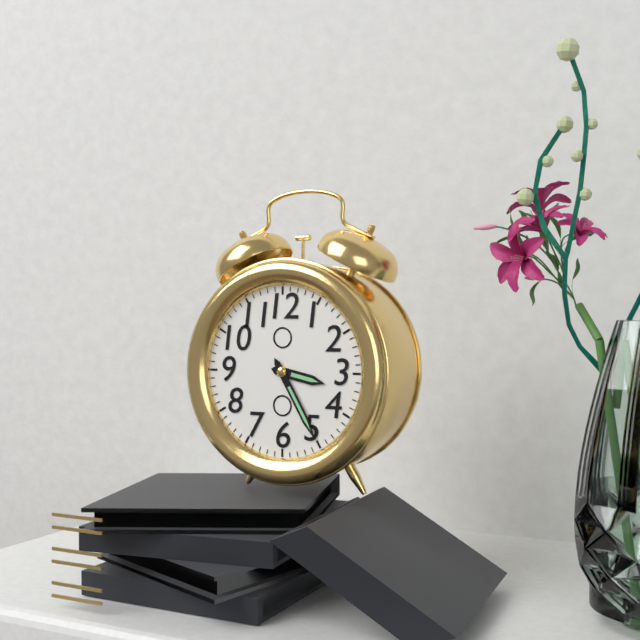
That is 3.25
